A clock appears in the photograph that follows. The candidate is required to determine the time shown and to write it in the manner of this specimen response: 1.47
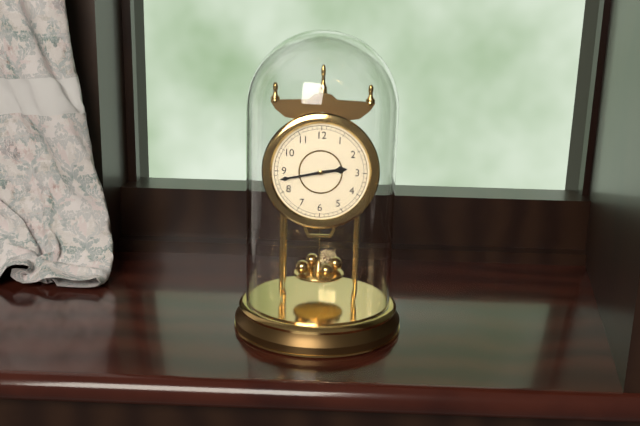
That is 2.43
